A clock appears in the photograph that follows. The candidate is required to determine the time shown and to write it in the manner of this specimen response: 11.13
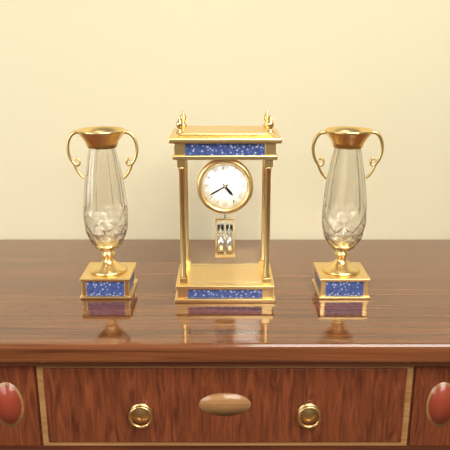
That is 4.40
